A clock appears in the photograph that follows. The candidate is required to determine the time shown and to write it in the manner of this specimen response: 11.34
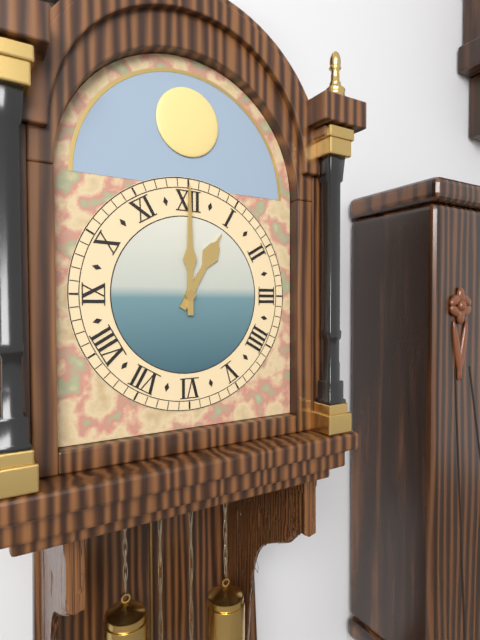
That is 1.00
